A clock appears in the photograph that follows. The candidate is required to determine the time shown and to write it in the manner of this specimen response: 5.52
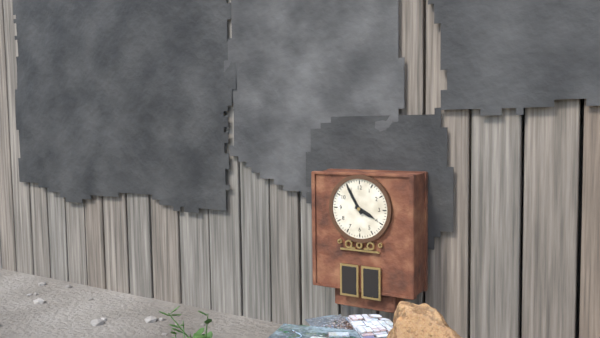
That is 3.55
